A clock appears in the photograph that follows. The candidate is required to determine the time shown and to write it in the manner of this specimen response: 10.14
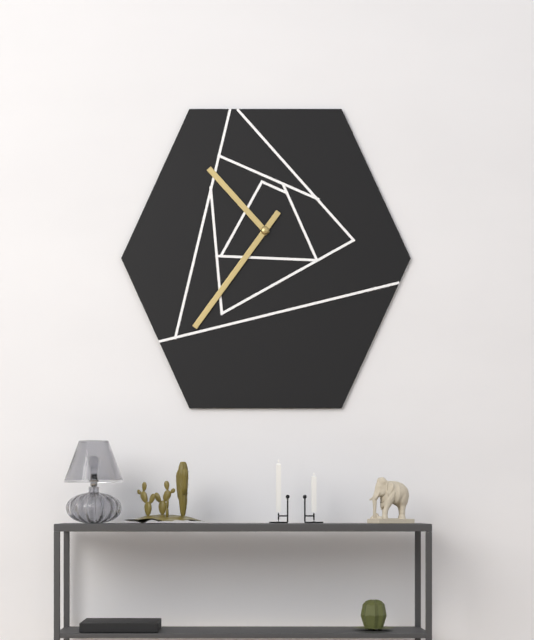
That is 10.36
